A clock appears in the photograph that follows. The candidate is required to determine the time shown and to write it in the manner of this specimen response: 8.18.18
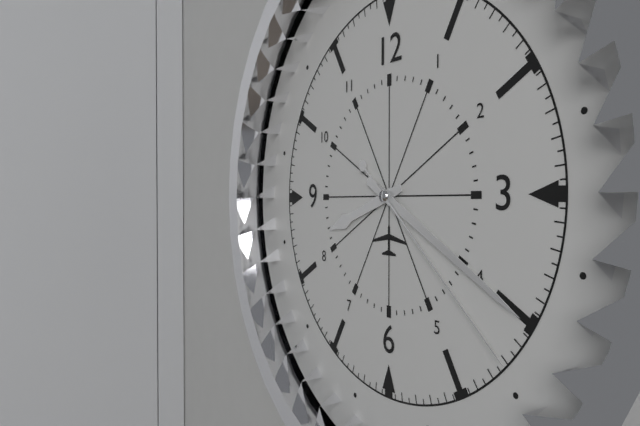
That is 8.20.22
